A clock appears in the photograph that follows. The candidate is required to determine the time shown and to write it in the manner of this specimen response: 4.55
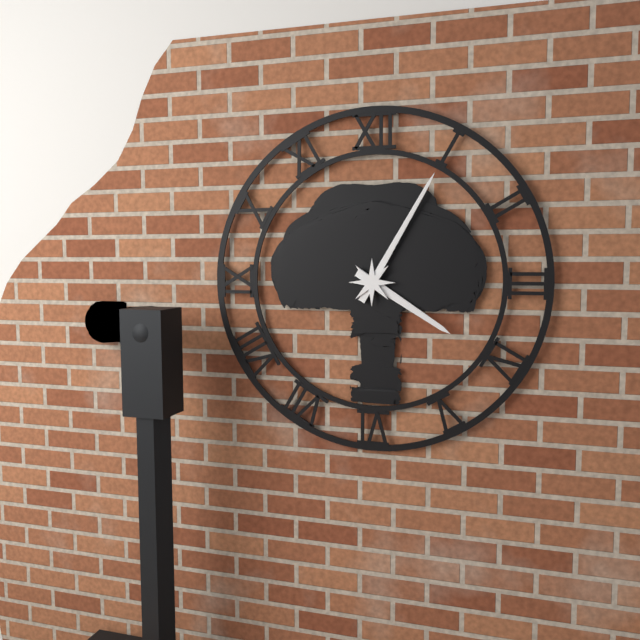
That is 4.05
